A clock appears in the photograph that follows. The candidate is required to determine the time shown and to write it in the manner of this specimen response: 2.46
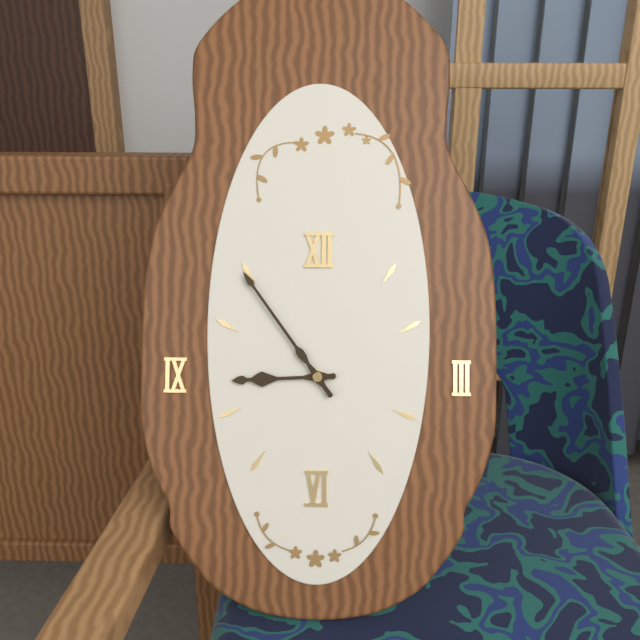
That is 8.54
